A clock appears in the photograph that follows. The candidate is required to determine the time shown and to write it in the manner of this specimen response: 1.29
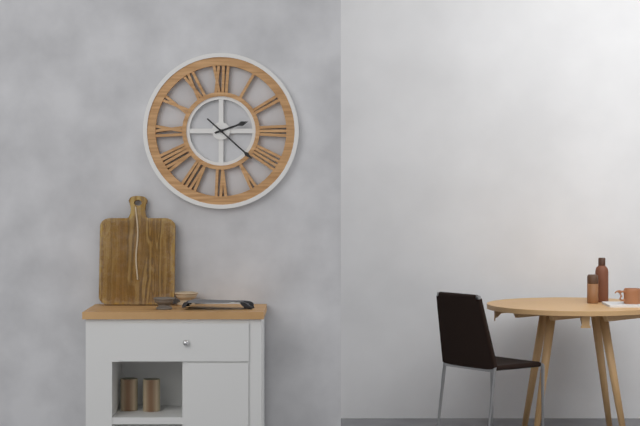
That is 2.22
